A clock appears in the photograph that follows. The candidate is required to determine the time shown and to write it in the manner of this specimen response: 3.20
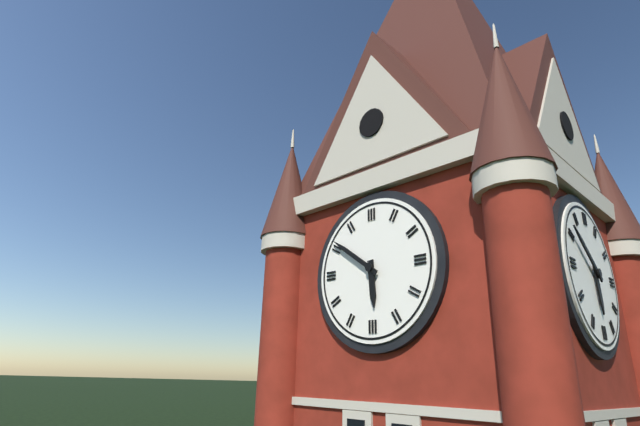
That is 5.51
